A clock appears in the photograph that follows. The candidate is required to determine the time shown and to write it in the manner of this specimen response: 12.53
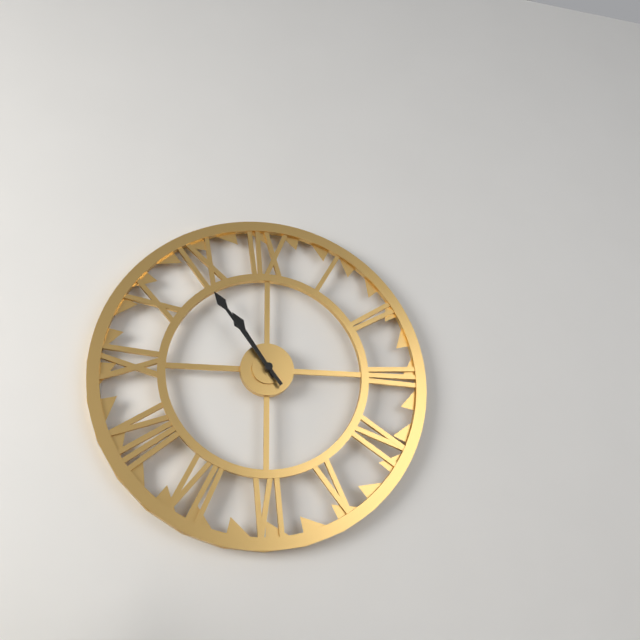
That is 10.54
